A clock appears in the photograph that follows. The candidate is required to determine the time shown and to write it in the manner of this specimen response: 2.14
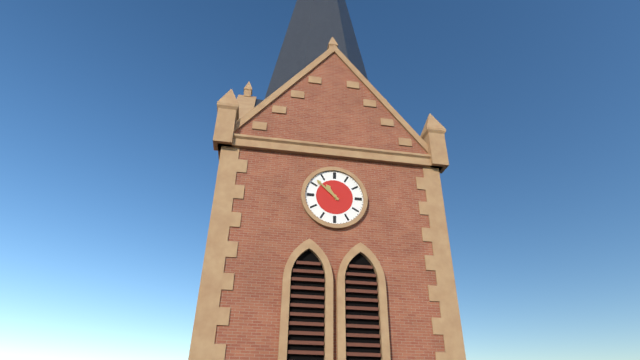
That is 10.52
